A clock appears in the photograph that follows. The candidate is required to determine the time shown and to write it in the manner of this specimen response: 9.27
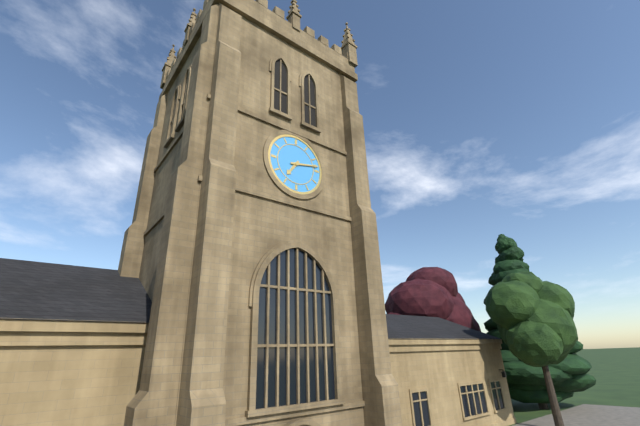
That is 7.13
